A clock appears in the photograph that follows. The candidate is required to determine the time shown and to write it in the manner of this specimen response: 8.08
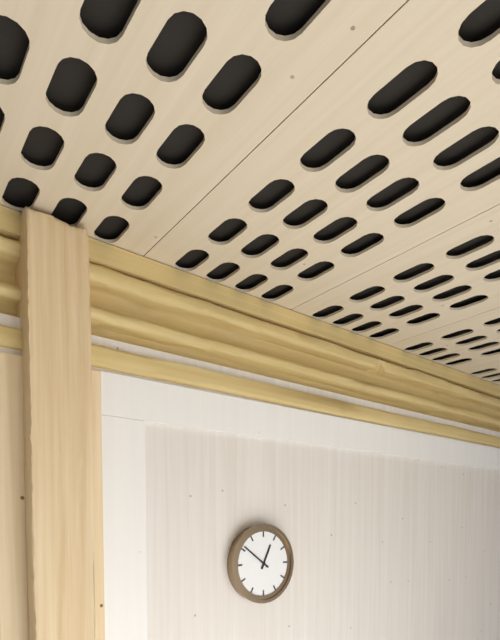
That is 12.51
